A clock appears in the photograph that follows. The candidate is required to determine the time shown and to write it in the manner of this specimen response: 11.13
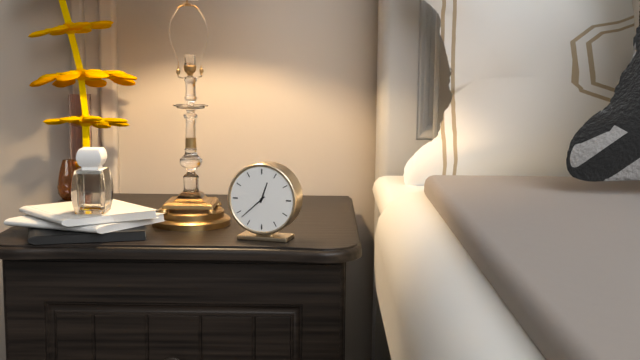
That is 12.38
